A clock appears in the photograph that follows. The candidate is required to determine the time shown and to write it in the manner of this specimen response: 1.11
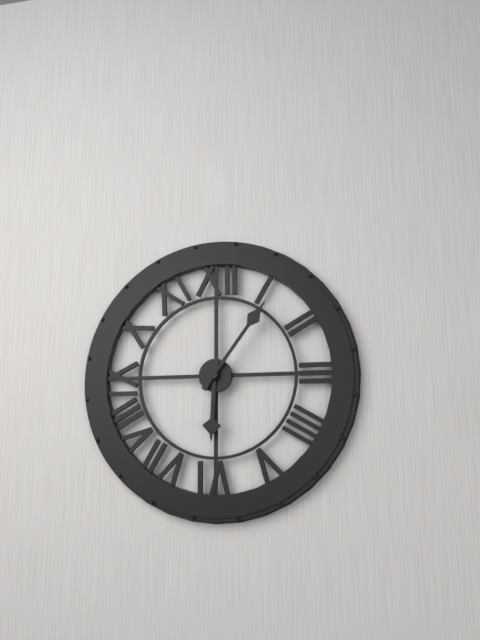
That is 6.06
